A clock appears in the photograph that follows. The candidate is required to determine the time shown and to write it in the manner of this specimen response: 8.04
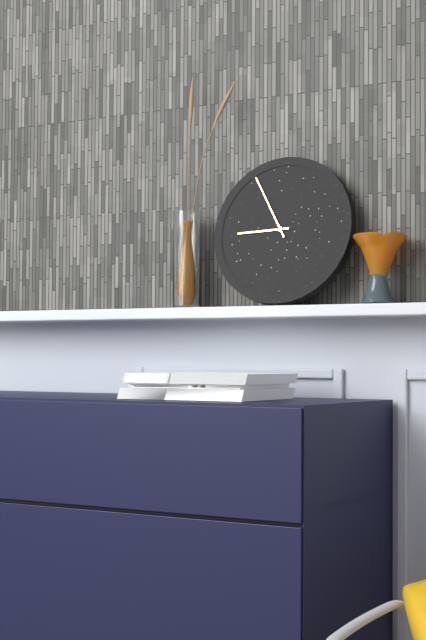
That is 8.55
